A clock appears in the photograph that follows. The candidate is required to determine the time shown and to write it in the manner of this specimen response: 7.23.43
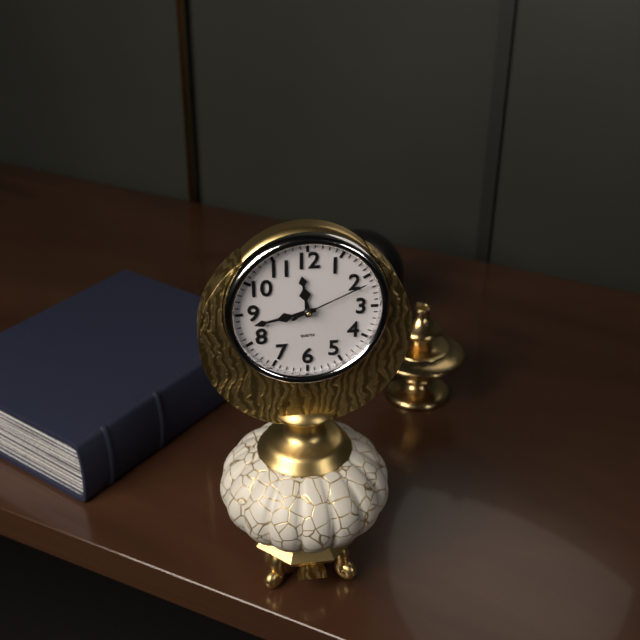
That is 11.43.11
